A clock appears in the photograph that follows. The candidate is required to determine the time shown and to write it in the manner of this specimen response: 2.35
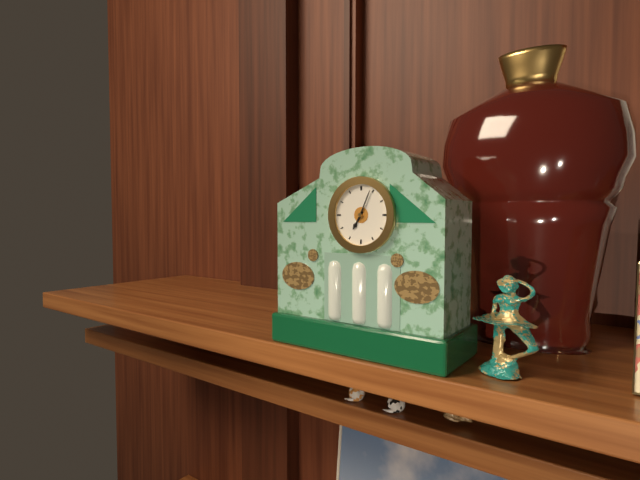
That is 7.04
